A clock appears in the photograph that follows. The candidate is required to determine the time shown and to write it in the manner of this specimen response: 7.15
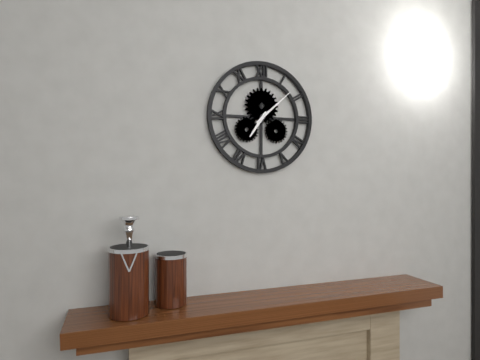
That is 7.08
